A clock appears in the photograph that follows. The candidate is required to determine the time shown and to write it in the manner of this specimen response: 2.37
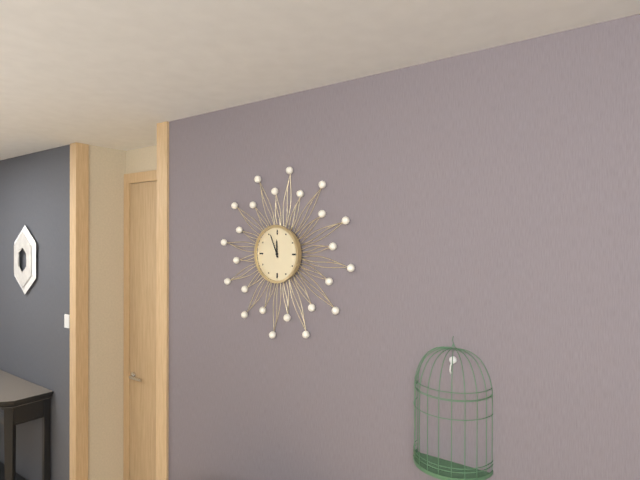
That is 11.56
